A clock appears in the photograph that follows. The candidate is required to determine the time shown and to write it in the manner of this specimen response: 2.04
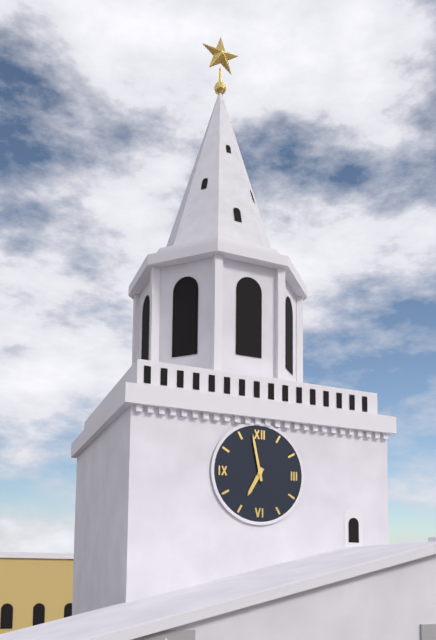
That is 6.58
